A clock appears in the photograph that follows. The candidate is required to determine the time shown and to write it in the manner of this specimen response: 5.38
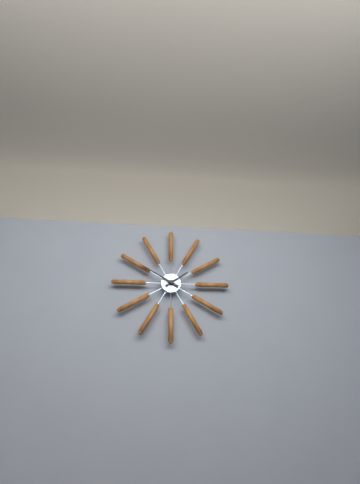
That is 1.50
